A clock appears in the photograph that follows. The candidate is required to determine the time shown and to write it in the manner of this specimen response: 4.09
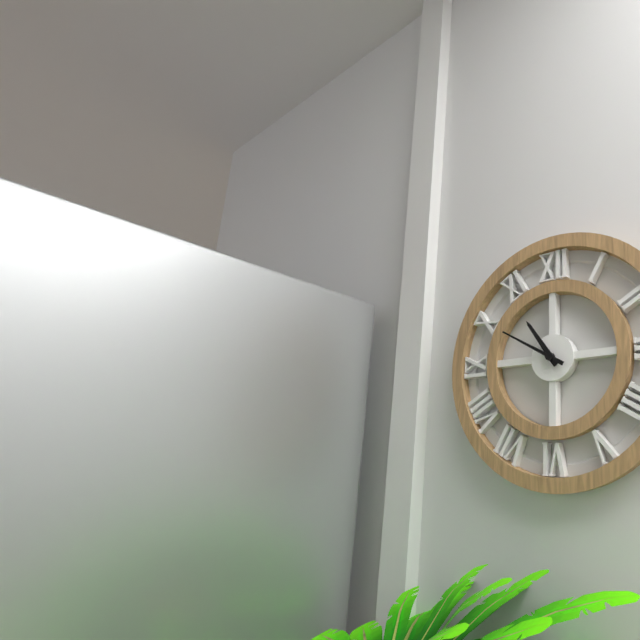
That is 10.50
